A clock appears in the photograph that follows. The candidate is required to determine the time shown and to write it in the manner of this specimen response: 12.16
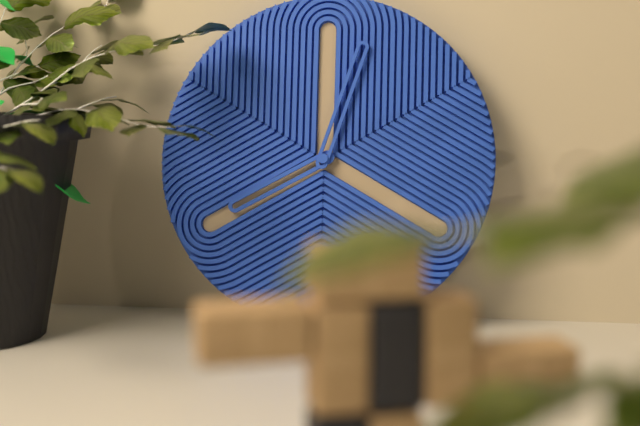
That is 8.03
